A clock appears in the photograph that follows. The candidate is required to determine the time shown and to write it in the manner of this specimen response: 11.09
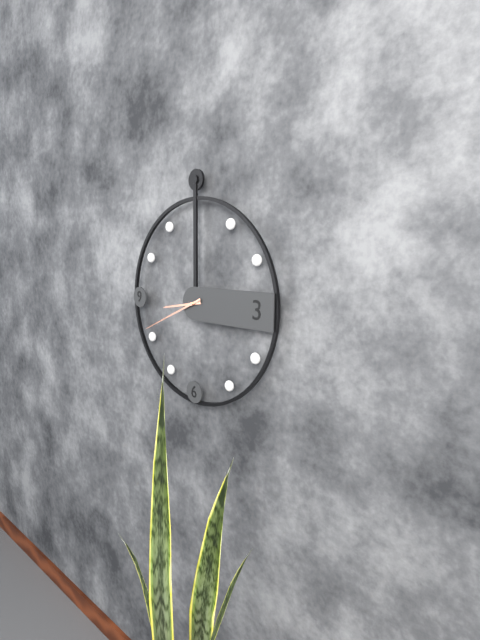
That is 8.41
